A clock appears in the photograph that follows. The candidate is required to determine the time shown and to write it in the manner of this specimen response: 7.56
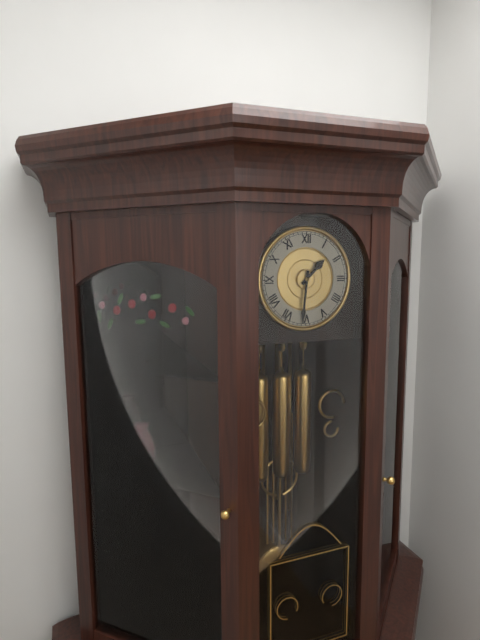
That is 1.31
